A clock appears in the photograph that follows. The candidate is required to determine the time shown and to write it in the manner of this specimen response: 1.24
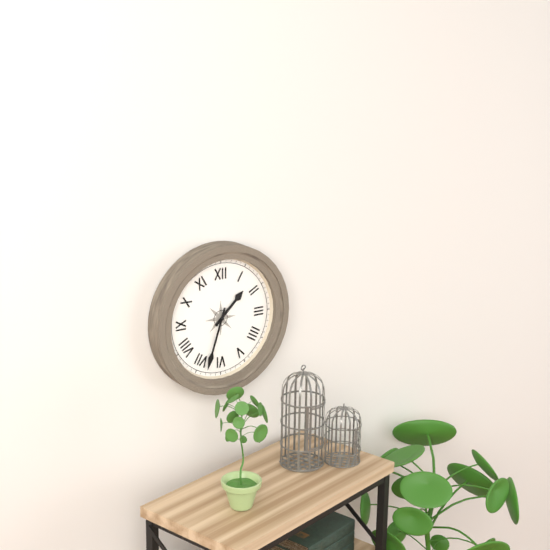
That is 1.33
